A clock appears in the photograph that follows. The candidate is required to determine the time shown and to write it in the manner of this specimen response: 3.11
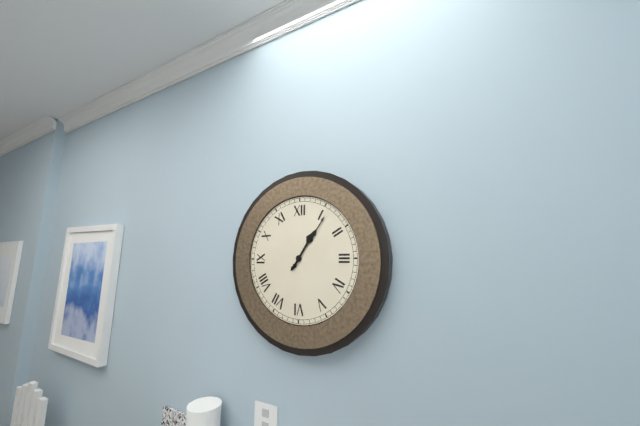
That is 1.06
